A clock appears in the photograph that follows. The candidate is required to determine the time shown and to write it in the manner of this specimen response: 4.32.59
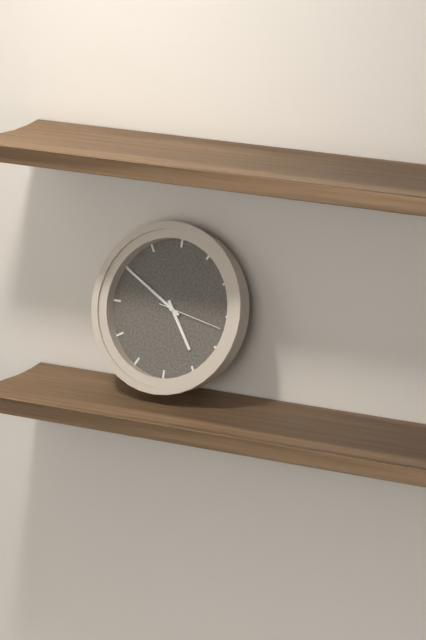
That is 4.50.17
